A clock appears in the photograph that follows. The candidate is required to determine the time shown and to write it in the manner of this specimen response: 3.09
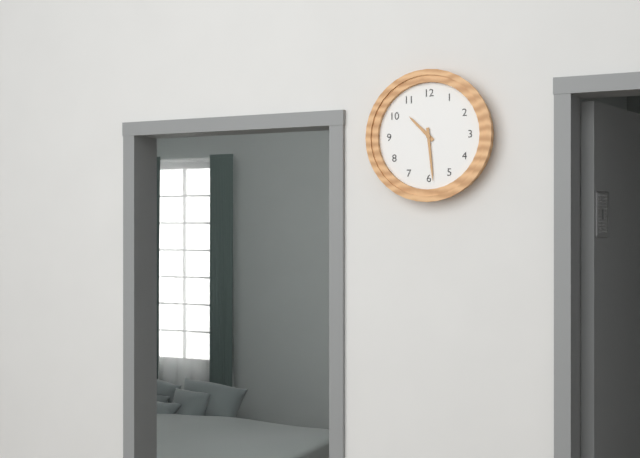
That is 10.29
